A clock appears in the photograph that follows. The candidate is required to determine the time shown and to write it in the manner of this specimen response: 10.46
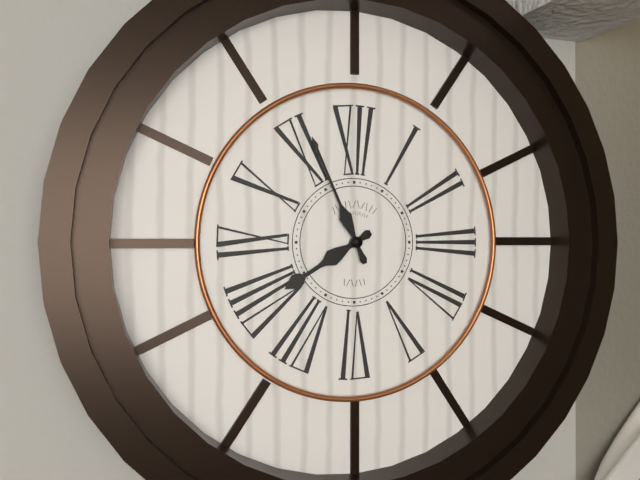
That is 7.56
